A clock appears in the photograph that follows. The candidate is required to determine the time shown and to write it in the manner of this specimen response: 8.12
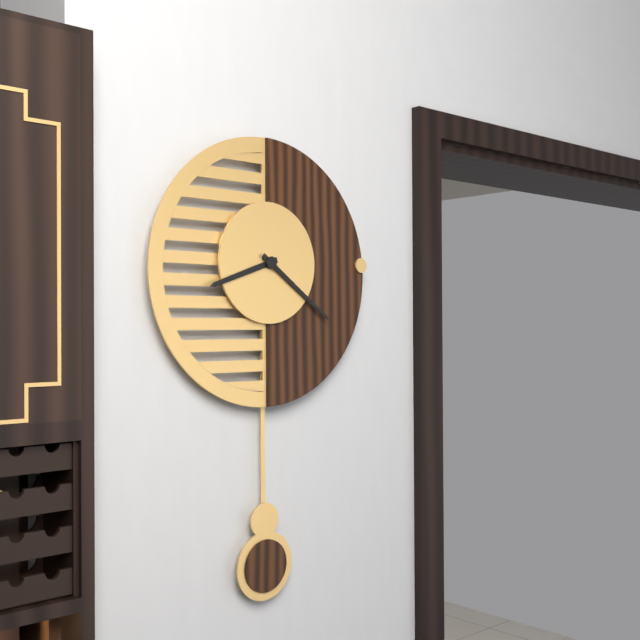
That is 8.21
